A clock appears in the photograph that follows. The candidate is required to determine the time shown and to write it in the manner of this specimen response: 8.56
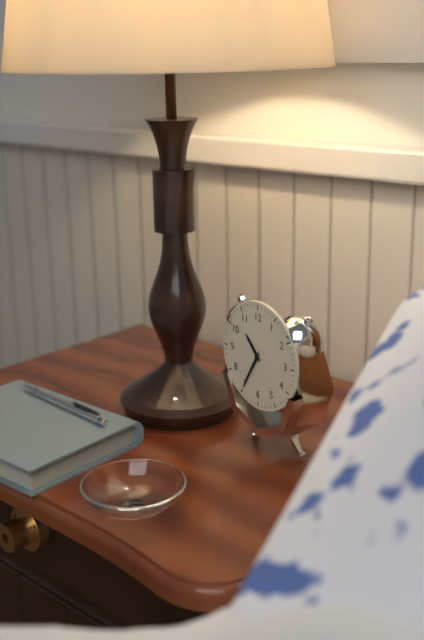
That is 10.35
